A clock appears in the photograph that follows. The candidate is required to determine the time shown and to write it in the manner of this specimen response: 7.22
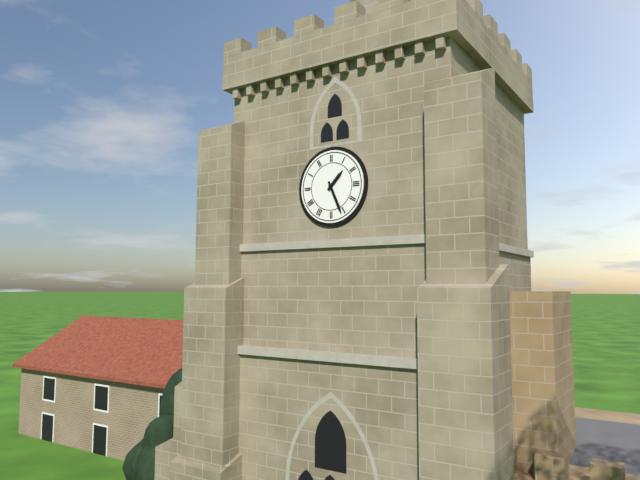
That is 1.26
